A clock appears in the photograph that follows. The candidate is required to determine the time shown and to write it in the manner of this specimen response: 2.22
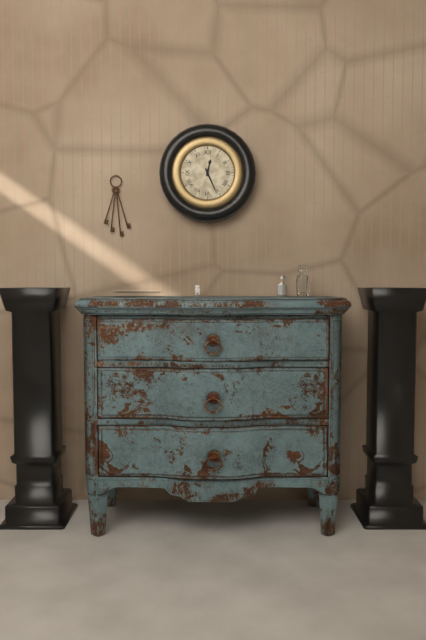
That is 12.26
